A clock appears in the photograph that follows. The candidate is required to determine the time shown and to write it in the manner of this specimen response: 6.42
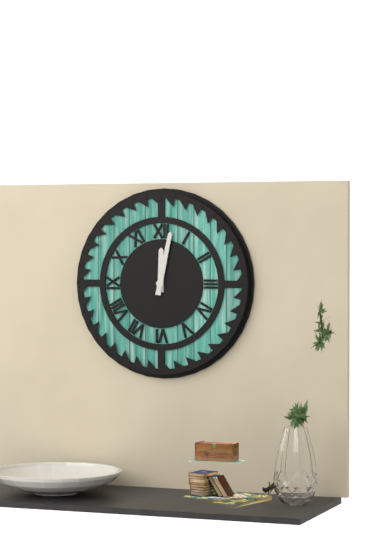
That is 12.02
